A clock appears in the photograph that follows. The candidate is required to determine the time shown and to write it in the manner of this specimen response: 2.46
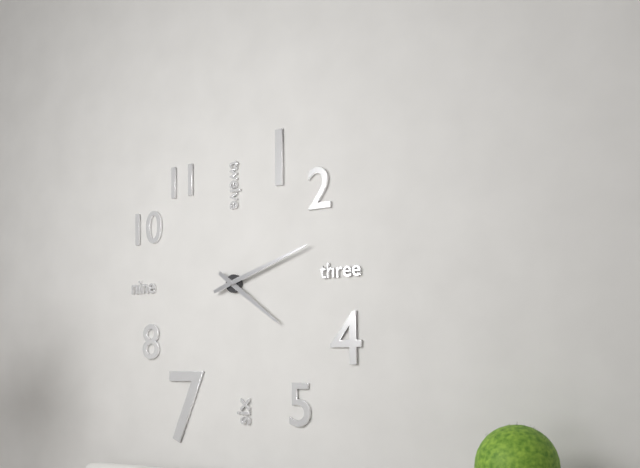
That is 4.12
